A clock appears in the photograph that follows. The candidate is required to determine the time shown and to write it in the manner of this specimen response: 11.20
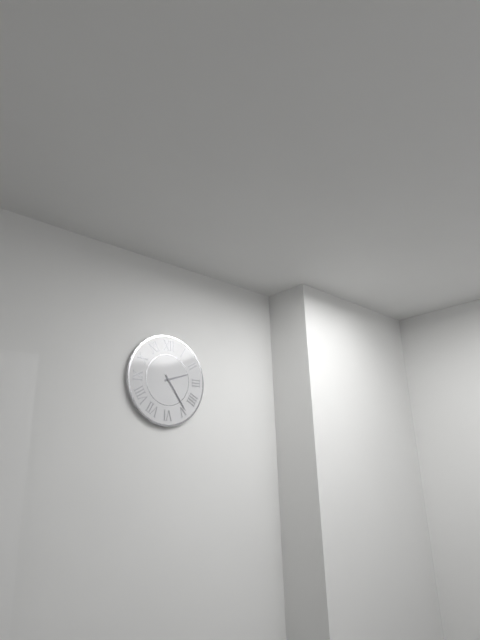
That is 2.24
